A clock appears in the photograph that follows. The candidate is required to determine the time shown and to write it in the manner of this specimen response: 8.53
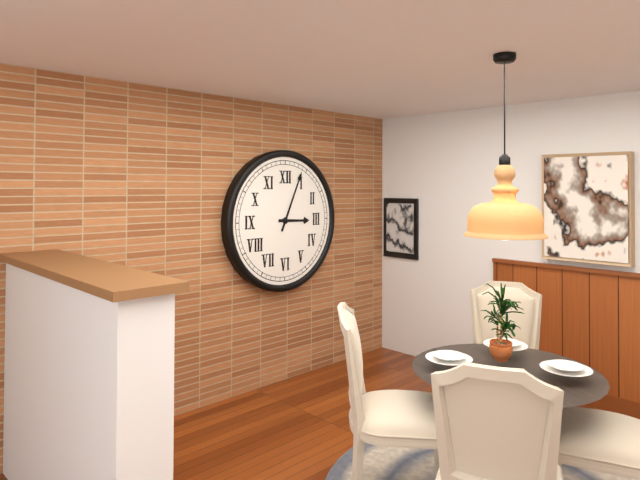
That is 3.04
